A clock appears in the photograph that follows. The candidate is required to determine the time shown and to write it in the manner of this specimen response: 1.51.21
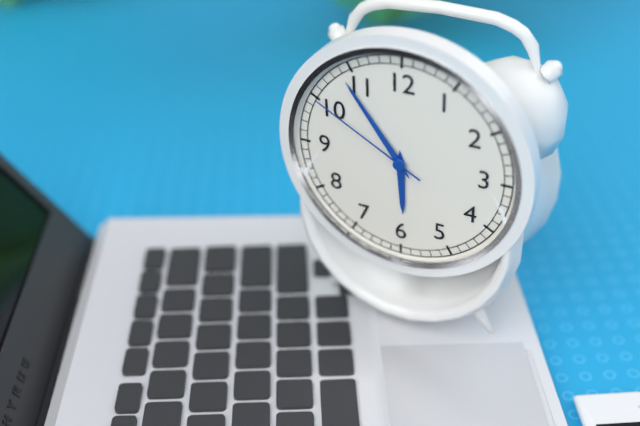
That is 5.54.50
